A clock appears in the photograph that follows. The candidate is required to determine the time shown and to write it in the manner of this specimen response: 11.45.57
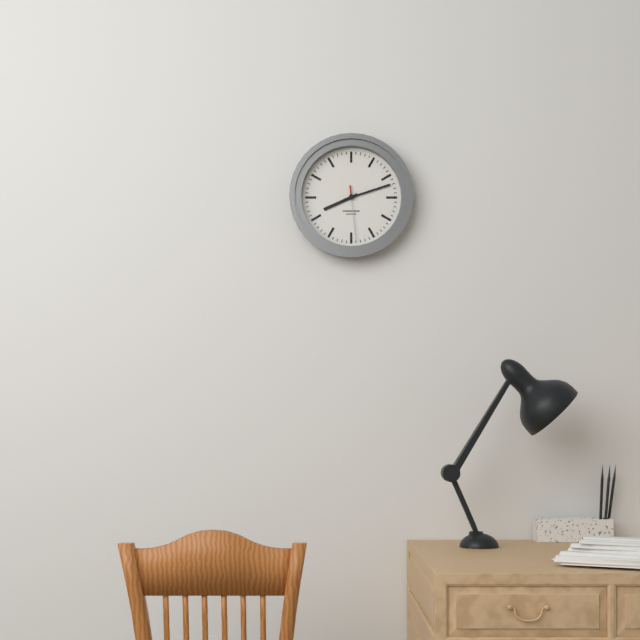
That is 8.12.29
